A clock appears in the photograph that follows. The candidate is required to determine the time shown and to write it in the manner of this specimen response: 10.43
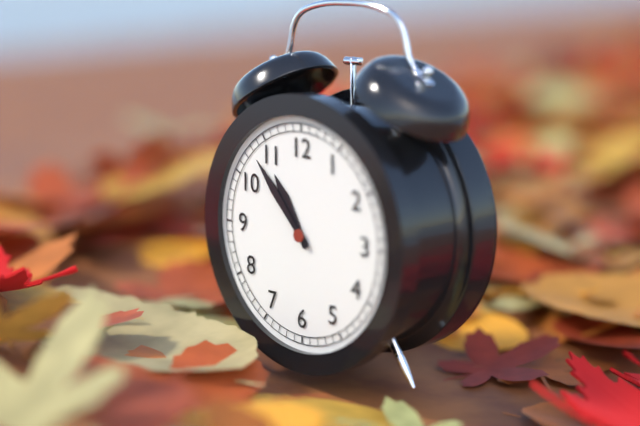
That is 10.53
